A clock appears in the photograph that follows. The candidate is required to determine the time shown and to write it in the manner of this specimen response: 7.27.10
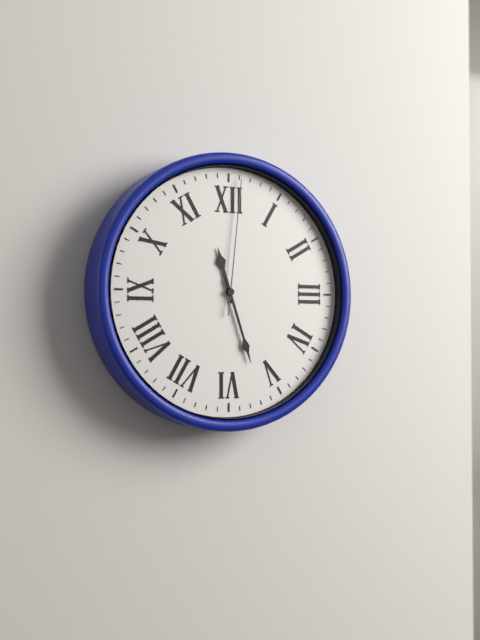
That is 11.27.01
